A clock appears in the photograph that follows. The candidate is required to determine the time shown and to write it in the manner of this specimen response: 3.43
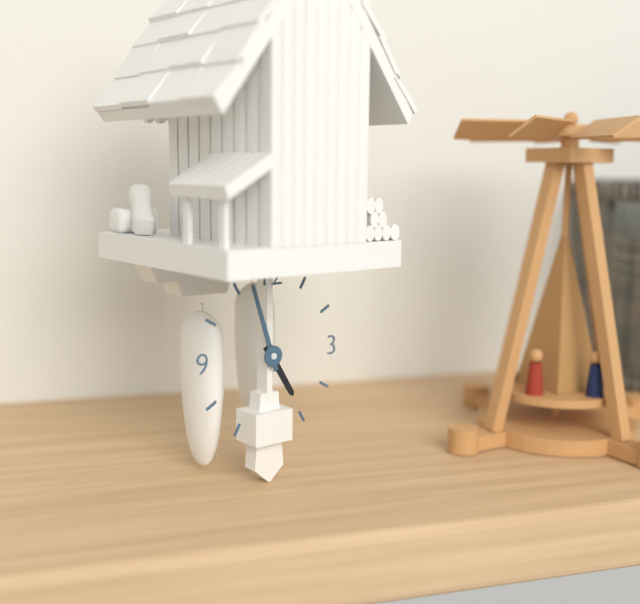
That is 4.57
